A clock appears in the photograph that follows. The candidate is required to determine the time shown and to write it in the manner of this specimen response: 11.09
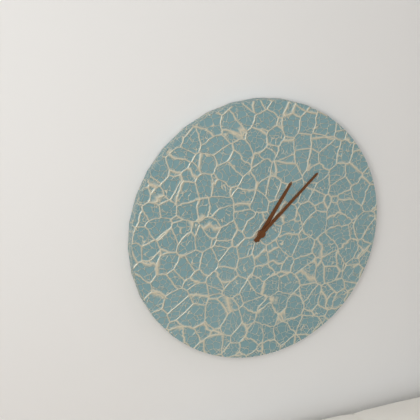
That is 1.08
